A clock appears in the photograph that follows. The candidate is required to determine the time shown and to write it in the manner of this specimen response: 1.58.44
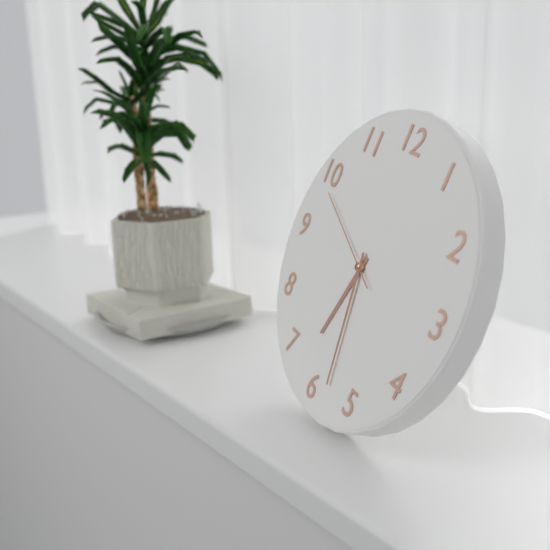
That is 6.28.49
